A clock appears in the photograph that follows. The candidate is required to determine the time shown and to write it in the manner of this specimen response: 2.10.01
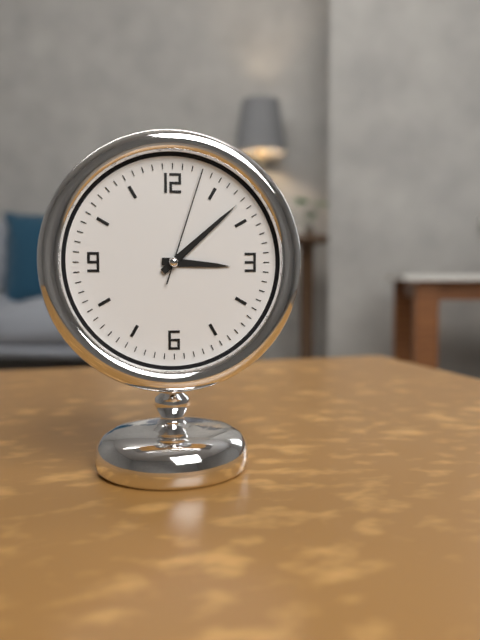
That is 3.08.03
